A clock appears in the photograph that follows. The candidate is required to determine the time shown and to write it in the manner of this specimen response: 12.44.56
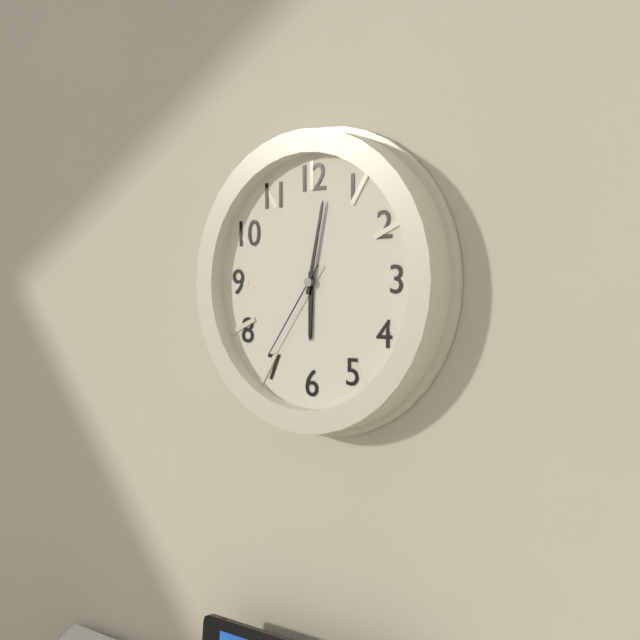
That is 6.02.36
